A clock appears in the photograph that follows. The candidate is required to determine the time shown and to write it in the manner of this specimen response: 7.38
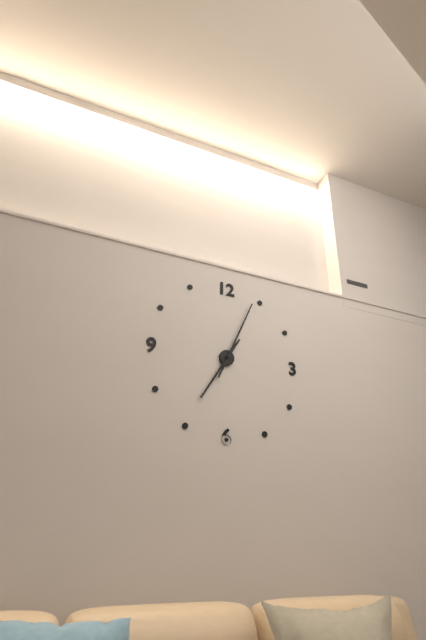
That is 7.04
